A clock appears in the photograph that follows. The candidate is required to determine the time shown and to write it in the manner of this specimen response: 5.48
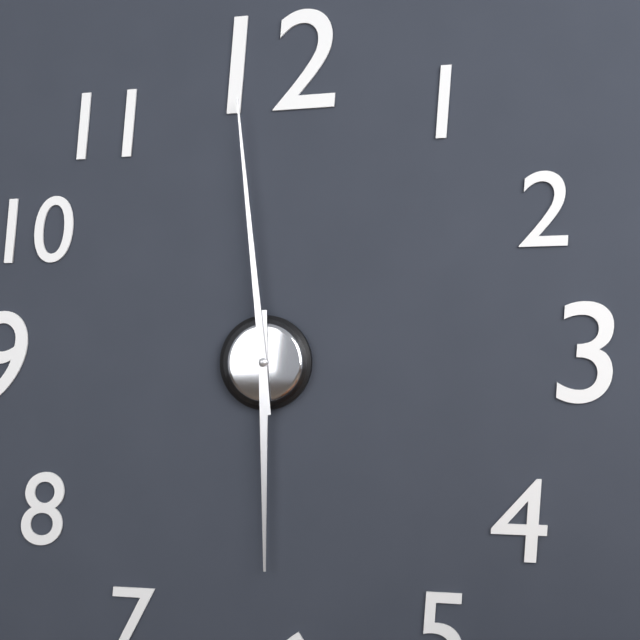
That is 5.59
